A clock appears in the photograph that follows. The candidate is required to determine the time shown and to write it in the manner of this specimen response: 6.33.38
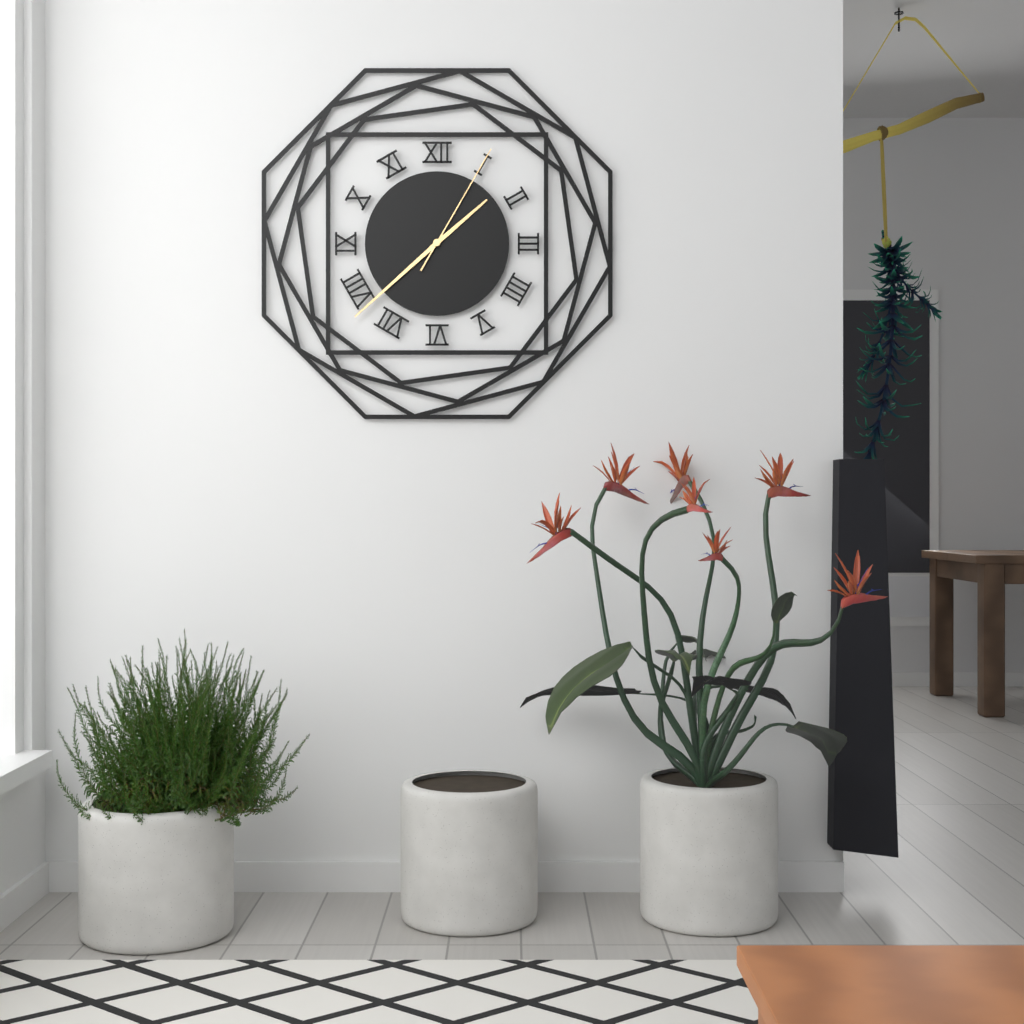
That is 1.38.05
